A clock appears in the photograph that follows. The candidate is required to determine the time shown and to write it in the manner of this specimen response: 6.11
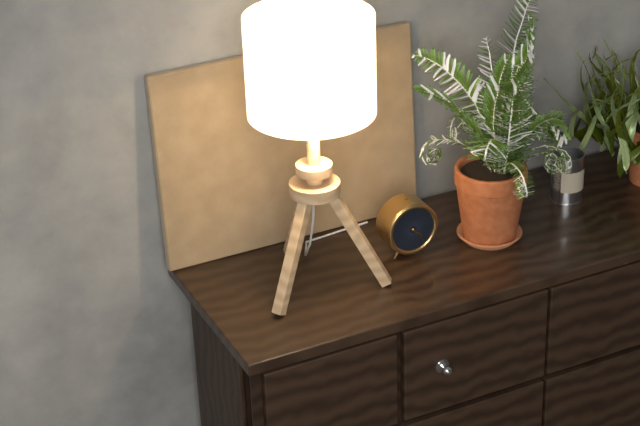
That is 4.24
